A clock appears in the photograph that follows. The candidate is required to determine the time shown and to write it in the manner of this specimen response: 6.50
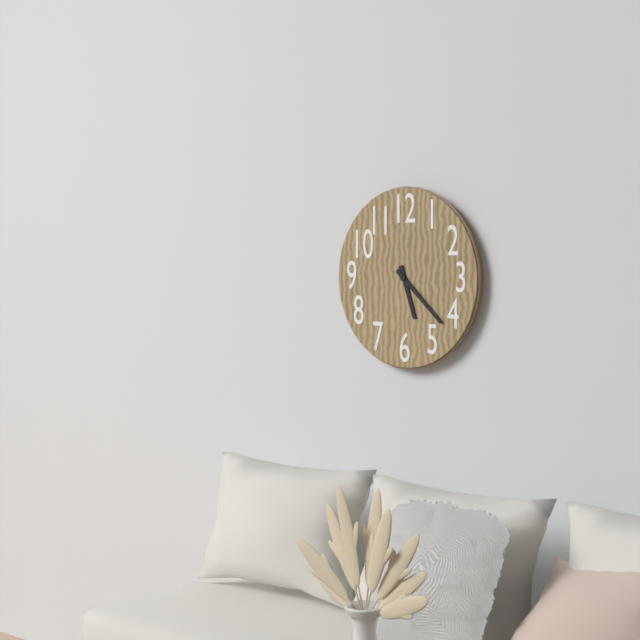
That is 5.22
